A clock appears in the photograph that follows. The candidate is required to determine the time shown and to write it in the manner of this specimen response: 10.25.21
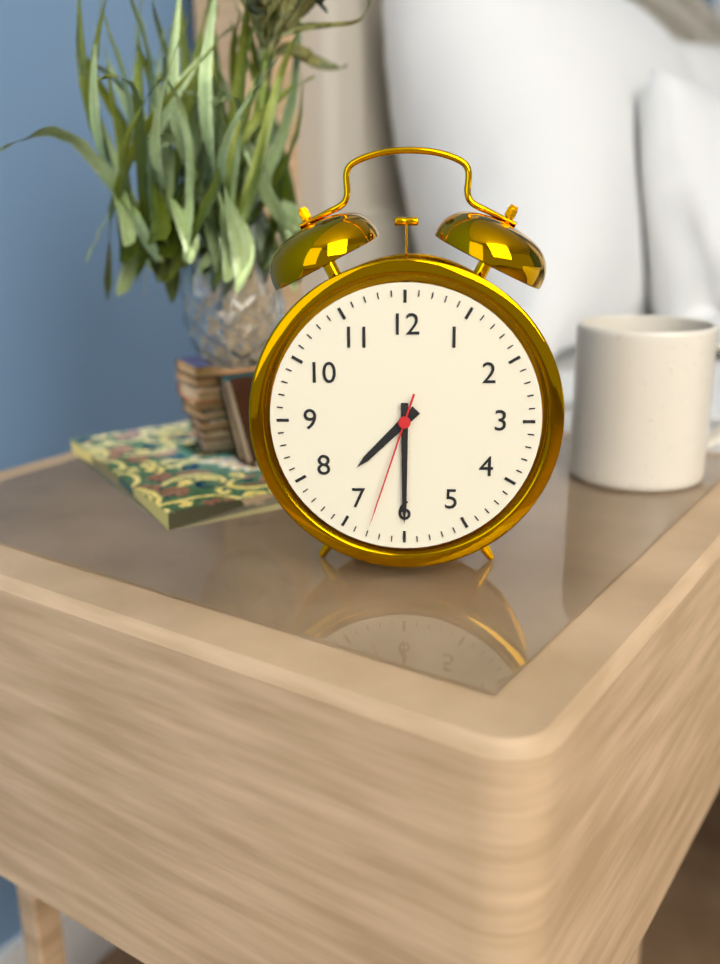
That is 7.30.33
